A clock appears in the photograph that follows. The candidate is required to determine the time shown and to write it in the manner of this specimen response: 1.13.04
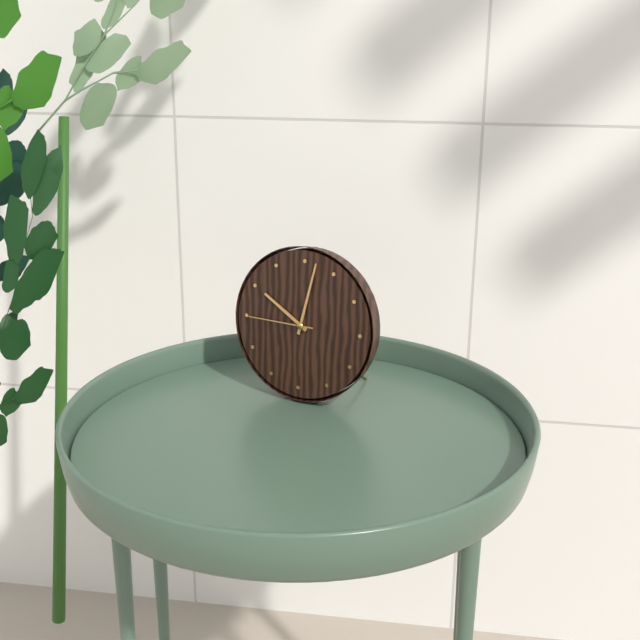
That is 10.02.45
